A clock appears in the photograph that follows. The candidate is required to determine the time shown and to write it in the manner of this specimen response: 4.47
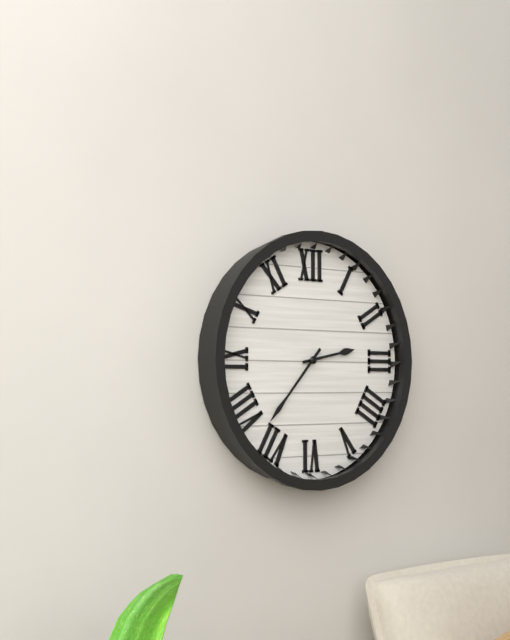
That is 2.37
